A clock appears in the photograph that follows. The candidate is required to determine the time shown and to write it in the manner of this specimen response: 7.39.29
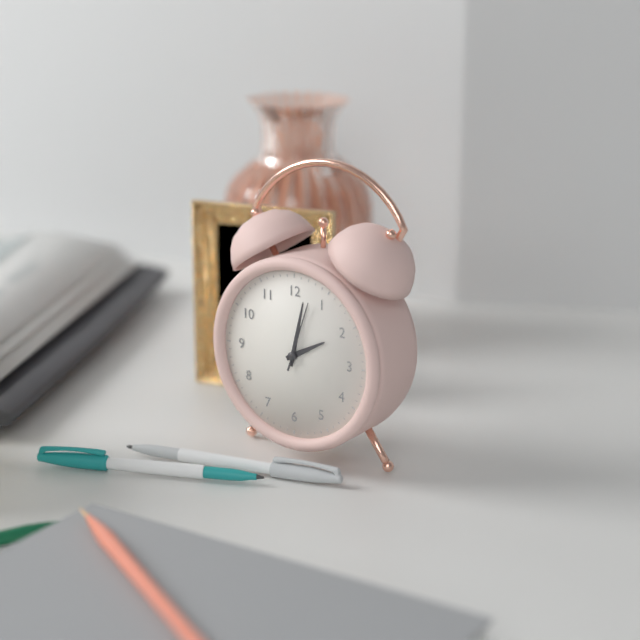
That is 2.02.03
